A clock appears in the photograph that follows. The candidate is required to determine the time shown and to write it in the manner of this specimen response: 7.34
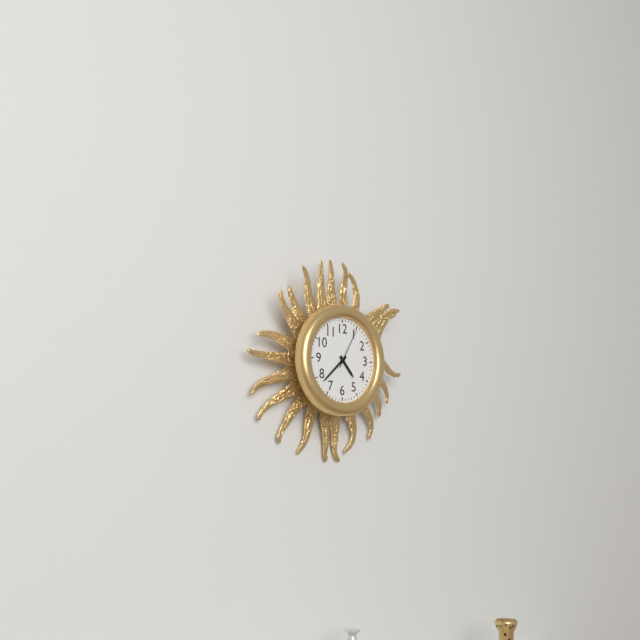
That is 4.38
